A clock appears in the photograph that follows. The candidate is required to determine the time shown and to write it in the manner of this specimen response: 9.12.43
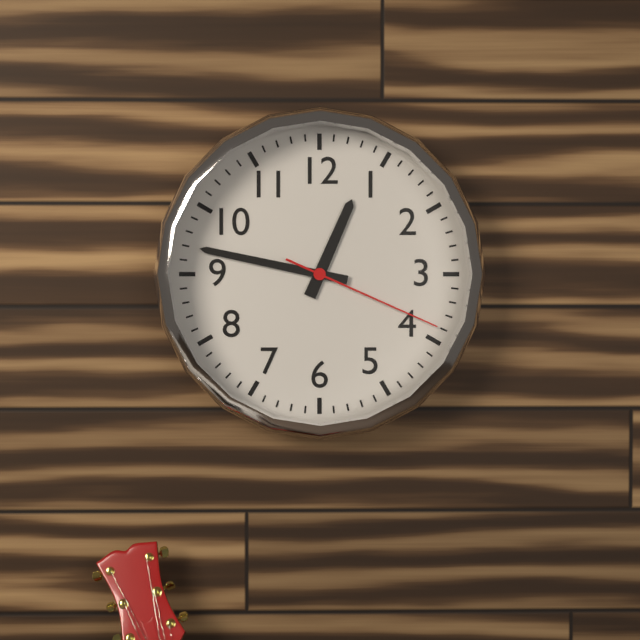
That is 12.47.19
